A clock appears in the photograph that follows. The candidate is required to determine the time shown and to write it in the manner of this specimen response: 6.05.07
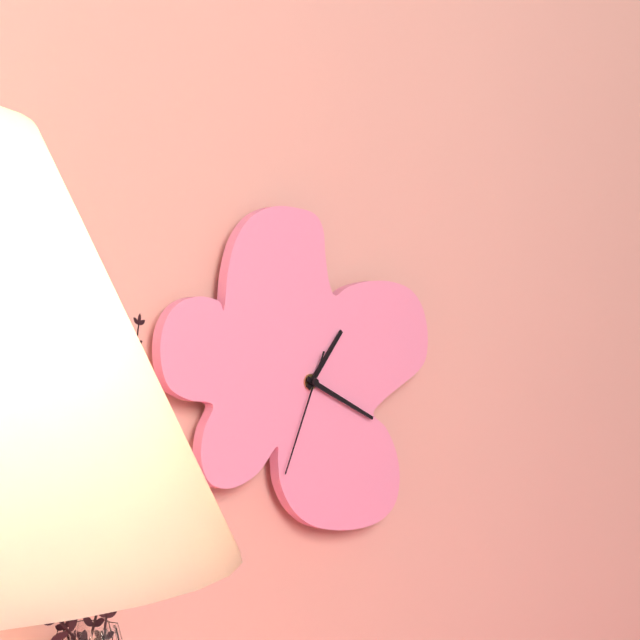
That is 1.19.34
